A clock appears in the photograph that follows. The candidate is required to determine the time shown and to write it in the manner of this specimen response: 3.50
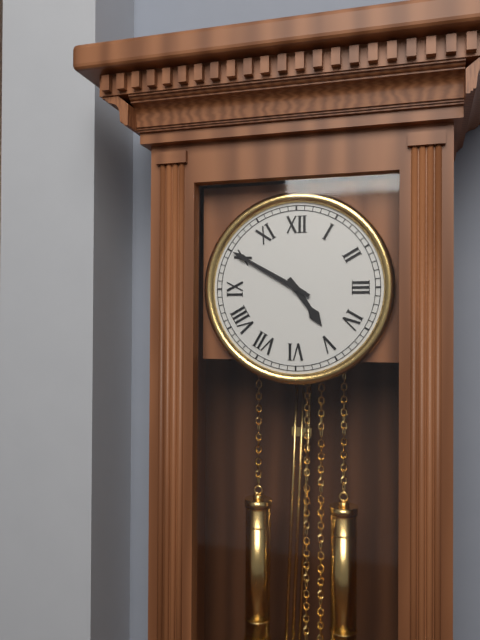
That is 4.50
